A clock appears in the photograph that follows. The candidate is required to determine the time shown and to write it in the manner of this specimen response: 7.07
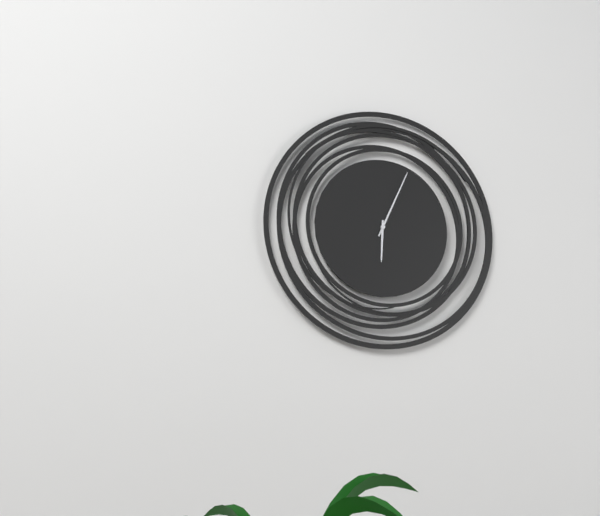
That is 6.04
